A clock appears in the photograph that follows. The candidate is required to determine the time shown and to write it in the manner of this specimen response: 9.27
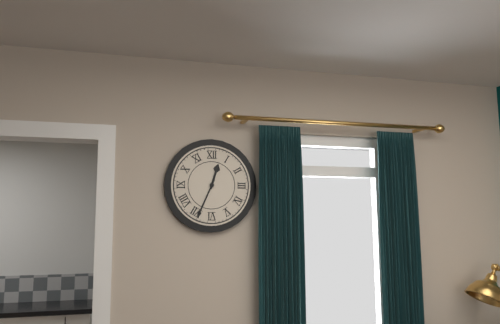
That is 12.34
